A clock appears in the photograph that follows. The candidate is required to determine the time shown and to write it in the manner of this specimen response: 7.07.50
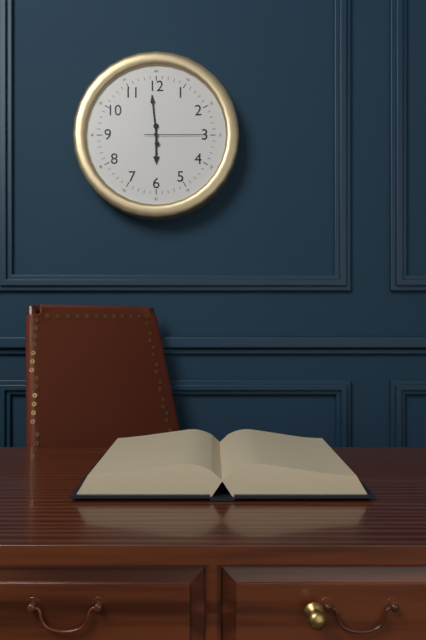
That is 5.59.15
